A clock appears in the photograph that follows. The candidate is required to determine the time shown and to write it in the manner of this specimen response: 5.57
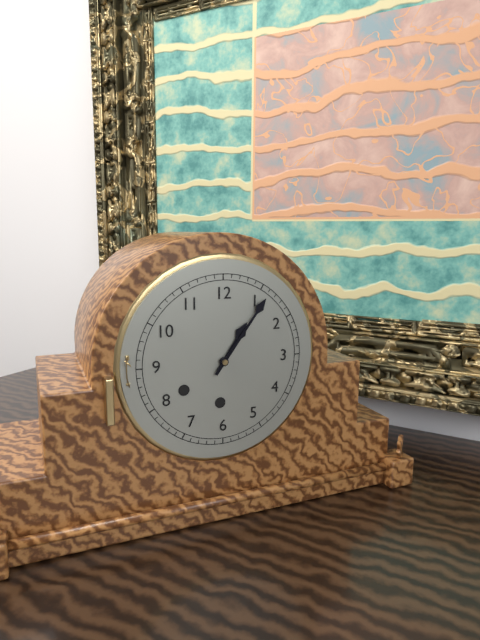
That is 1.06
